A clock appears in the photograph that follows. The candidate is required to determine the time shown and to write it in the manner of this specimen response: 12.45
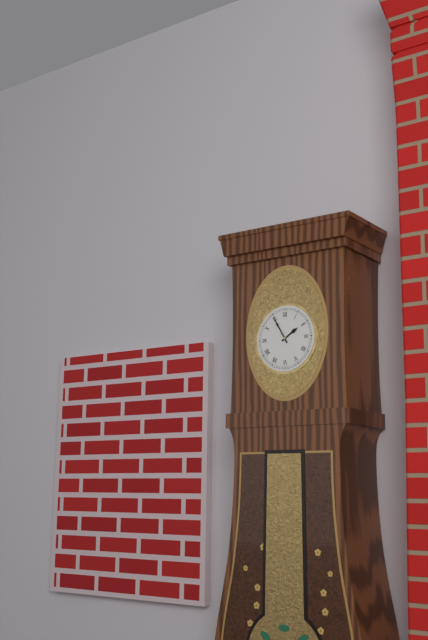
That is 1.55
